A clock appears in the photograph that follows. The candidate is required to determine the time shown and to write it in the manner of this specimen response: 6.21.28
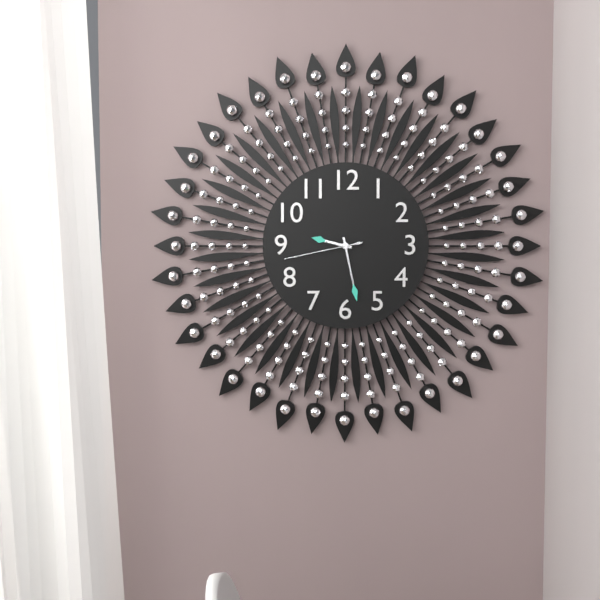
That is 9.28.43
